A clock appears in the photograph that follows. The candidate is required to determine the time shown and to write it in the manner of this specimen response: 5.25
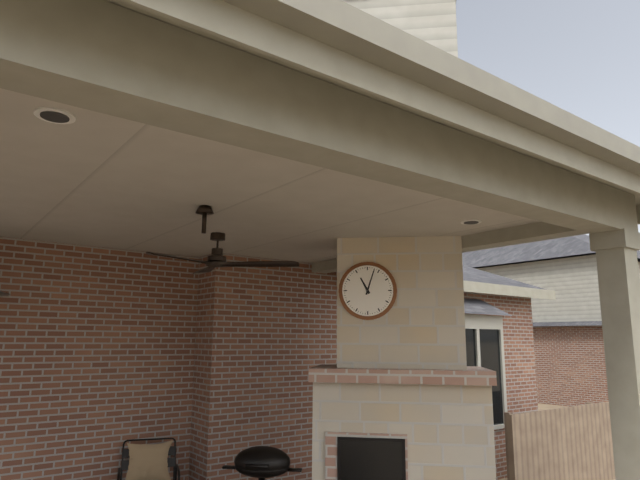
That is 11.03
